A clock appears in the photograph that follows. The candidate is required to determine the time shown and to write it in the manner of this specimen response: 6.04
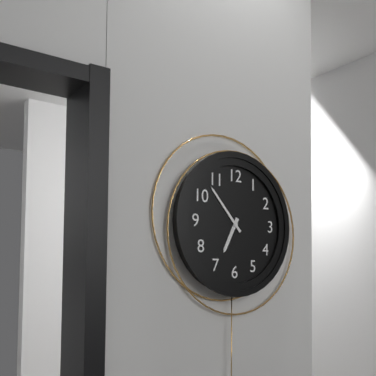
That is 6.53
